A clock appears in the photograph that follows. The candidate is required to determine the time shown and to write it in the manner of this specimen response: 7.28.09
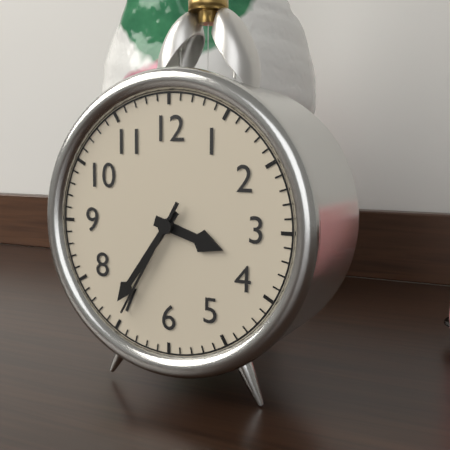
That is 3.36.35
